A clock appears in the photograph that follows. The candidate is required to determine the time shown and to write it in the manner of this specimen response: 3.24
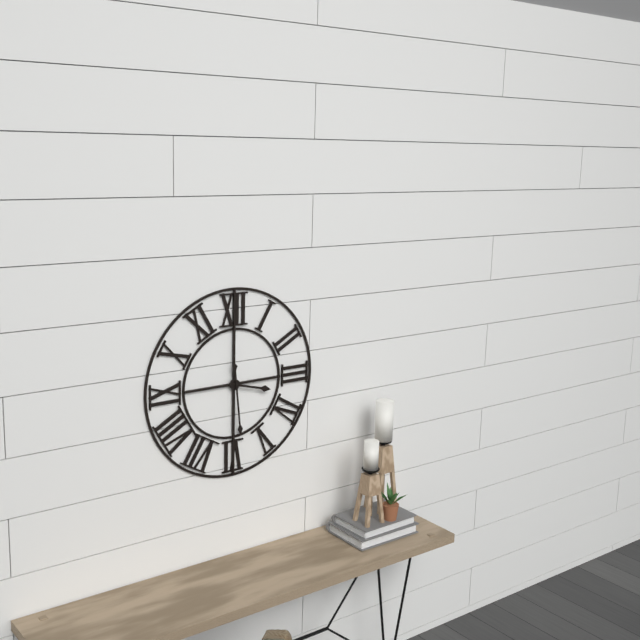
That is 3.29
